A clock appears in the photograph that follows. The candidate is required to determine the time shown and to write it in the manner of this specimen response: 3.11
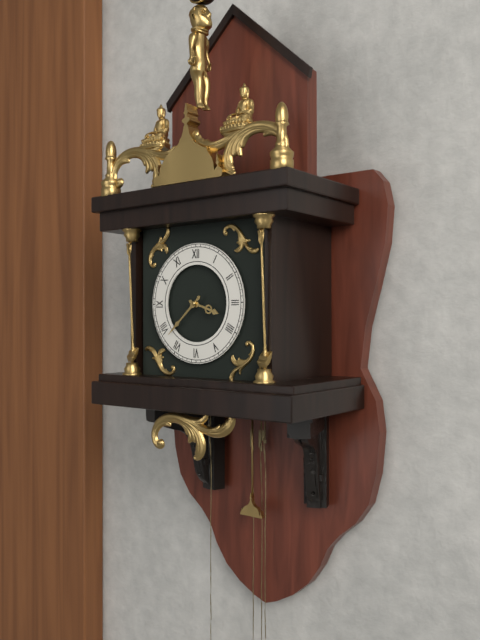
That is 3.38
